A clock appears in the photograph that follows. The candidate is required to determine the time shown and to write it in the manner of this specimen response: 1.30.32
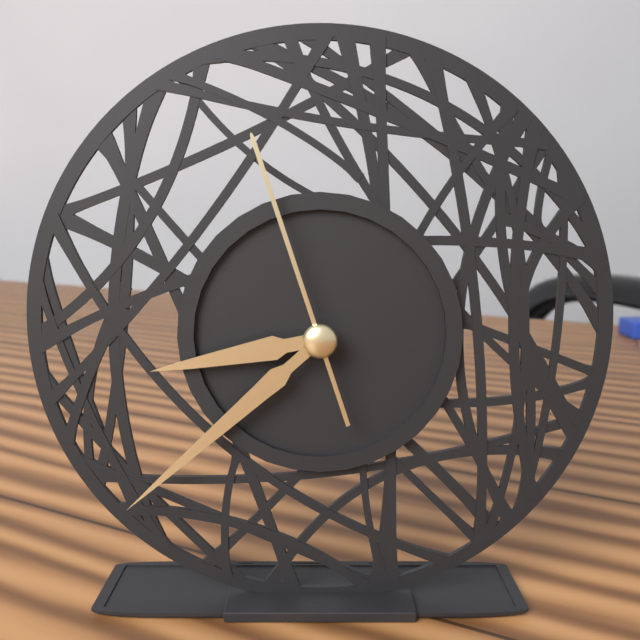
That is 8.38.57
